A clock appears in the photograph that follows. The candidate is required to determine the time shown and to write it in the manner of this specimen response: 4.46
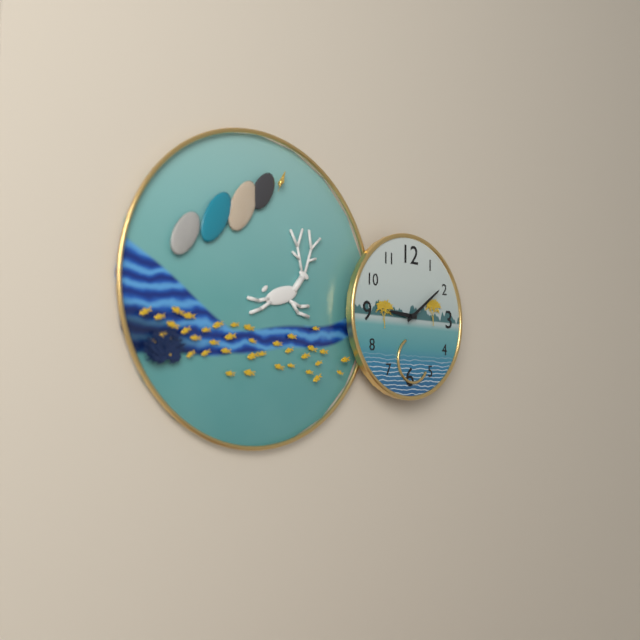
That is 9.09
